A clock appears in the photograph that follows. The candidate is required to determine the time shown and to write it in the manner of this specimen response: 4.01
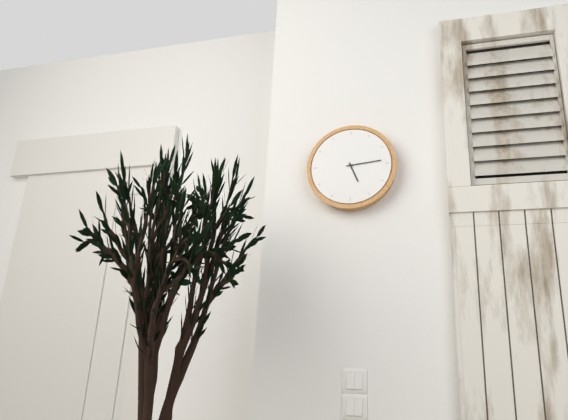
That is 5.14
